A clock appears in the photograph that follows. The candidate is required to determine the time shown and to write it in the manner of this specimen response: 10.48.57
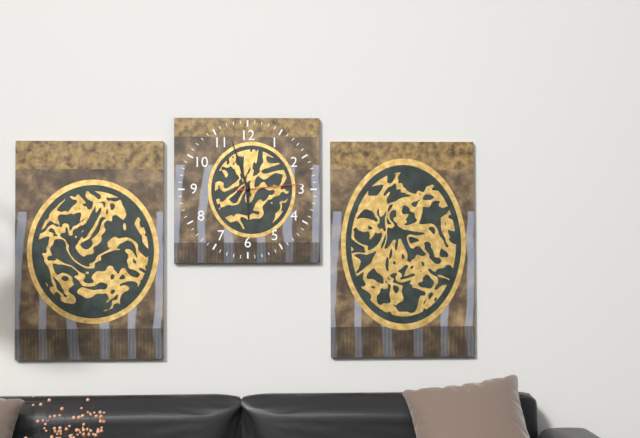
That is 5.57.14
